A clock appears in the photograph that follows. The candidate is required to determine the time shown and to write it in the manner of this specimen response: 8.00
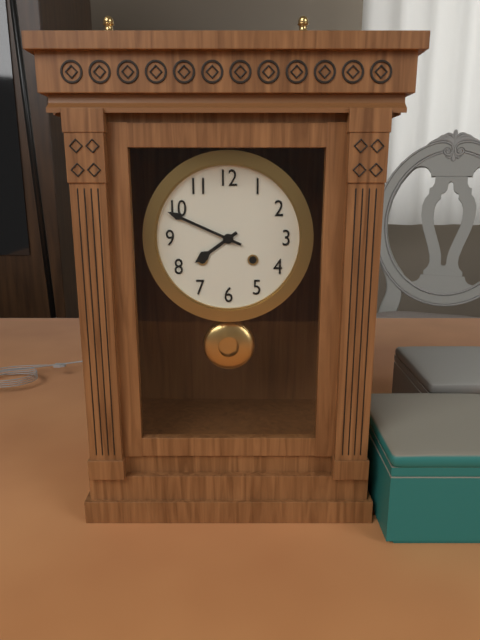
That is 7.49
